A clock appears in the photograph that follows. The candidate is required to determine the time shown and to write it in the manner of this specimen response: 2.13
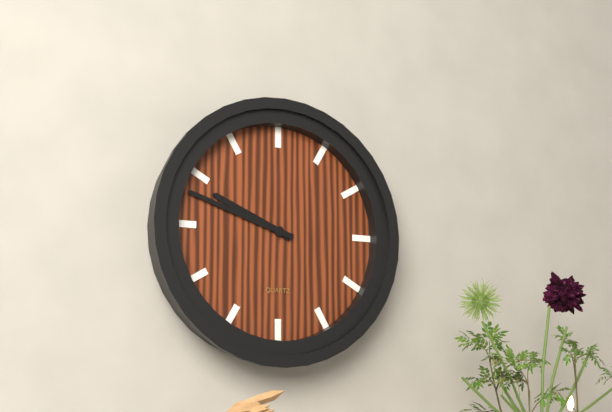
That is 9.48
